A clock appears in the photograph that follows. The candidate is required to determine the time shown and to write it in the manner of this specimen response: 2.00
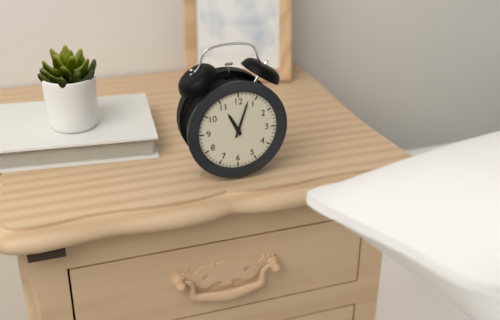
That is 11.03
